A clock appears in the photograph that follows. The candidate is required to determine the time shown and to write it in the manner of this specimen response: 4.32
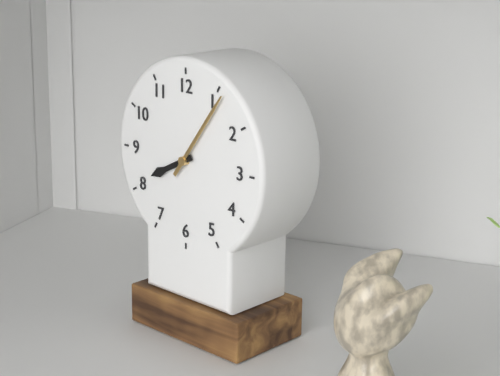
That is 8.06
